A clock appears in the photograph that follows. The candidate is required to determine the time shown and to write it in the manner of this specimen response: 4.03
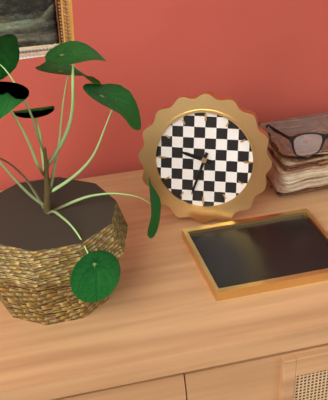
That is 9.33
